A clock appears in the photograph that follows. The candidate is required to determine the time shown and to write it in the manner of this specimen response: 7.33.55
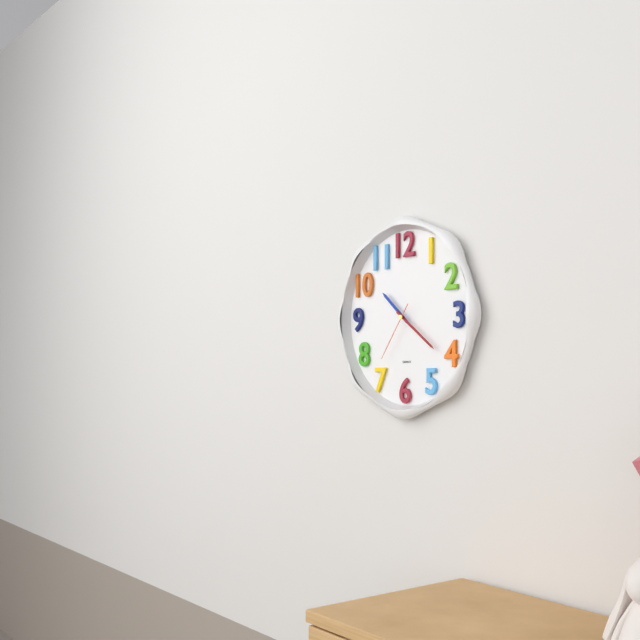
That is 10.21.36
